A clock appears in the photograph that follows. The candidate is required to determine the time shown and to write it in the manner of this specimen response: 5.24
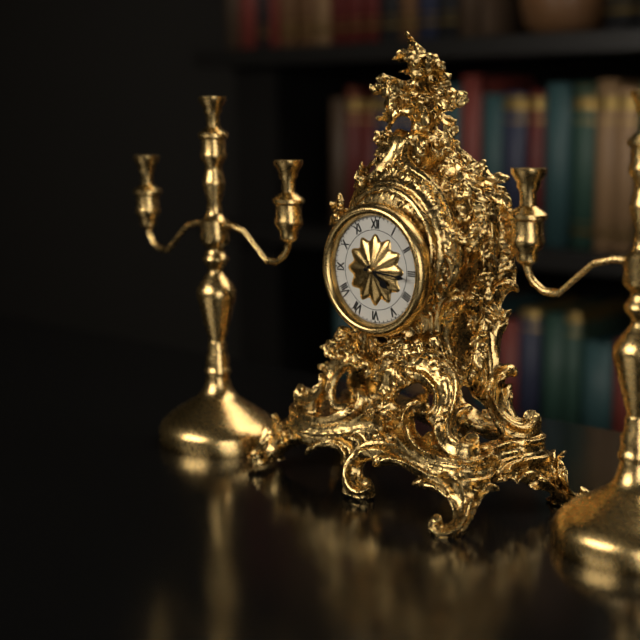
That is 4.16
